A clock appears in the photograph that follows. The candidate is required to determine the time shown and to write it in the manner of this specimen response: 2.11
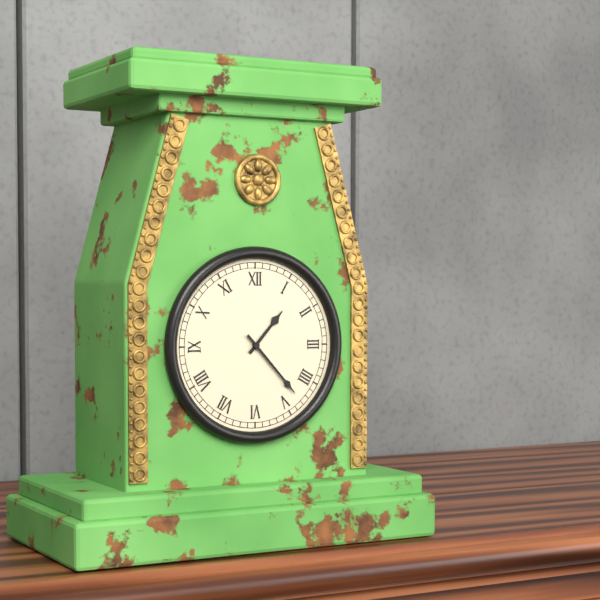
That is 1.23
